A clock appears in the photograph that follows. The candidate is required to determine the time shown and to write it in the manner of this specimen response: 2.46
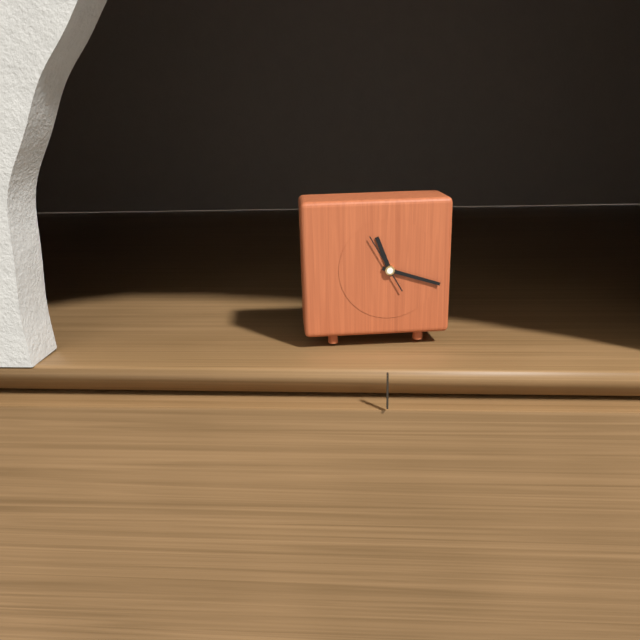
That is 11.18
